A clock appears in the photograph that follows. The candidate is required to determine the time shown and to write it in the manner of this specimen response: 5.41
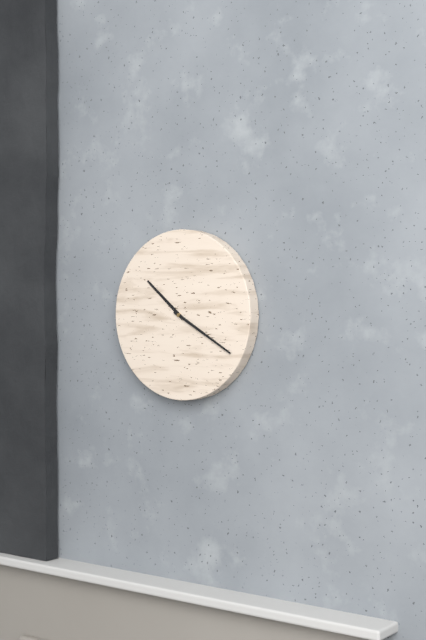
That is 10.20
